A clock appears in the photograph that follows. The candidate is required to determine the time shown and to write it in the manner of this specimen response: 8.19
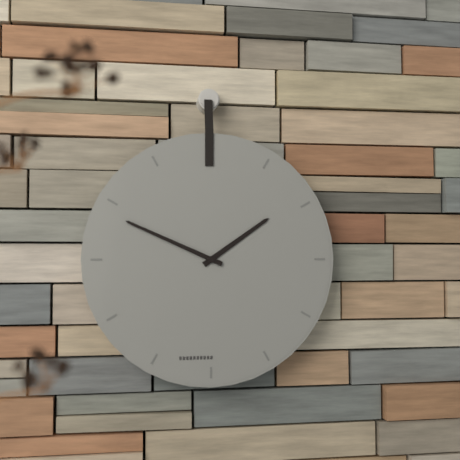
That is 1.49
